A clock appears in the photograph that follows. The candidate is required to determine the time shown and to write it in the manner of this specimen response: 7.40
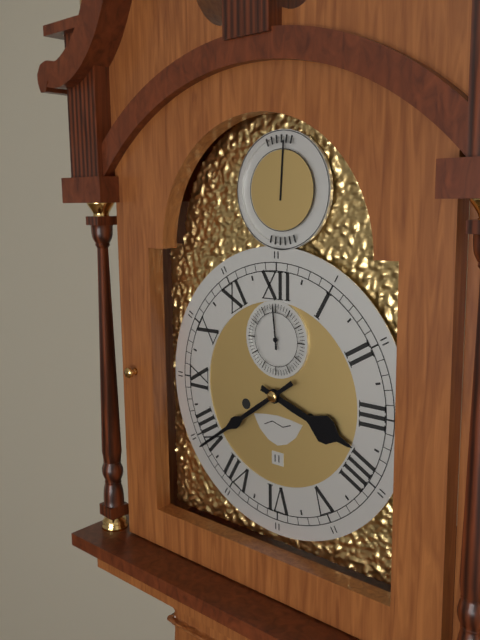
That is 3.39
